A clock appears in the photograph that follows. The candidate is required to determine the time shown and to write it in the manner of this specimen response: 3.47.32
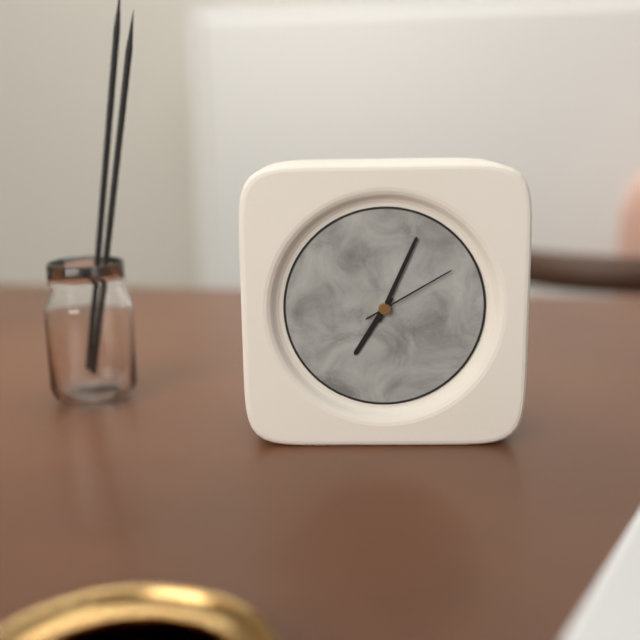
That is 7.04.10
